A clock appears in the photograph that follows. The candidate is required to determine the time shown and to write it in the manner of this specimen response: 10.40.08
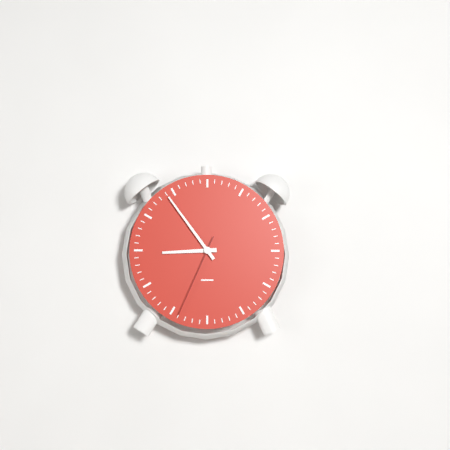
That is 8.54.34
